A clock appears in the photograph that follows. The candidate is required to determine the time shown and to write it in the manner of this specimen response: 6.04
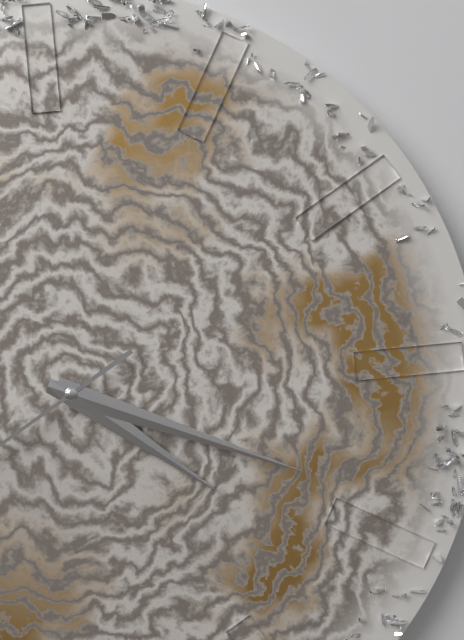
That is 4.19
